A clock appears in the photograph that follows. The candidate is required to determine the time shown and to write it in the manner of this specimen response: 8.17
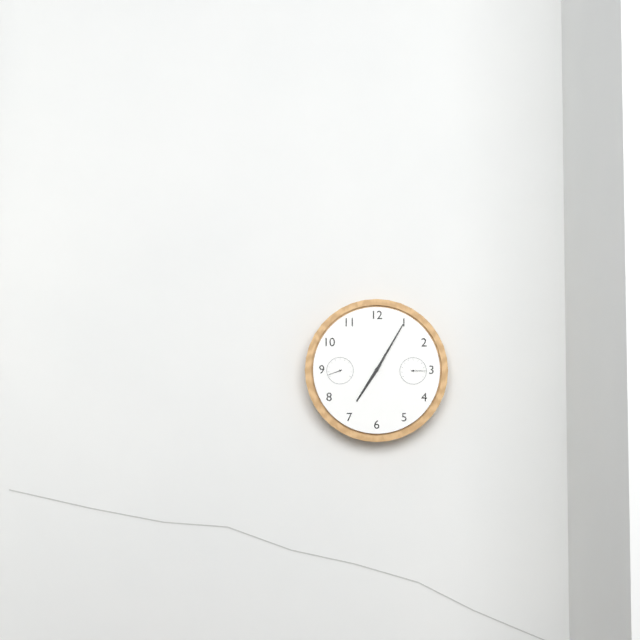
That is 7.05
